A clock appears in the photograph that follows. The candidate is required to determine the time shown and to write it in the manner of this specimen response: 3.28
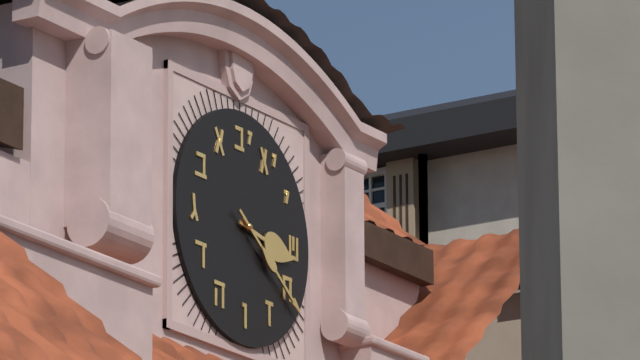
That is 3.21
